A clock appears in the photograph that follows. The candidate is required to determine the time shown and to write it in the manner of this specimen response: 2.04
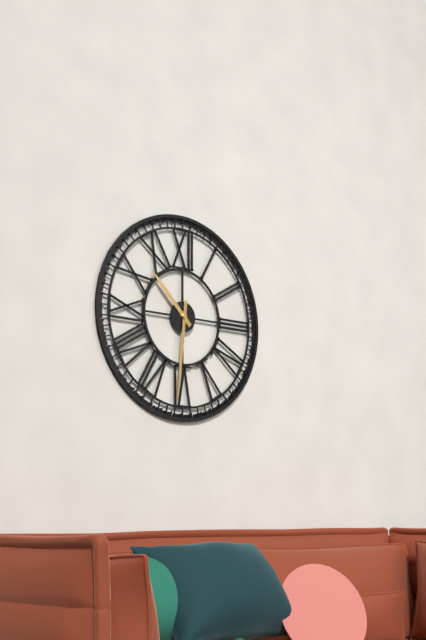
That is 10.31
